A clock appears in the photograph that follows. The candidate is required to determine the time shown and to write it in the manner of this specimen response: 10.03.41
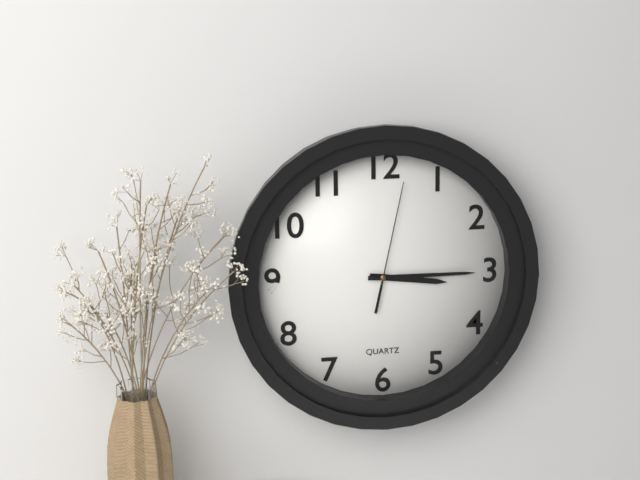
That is 3.15.02
